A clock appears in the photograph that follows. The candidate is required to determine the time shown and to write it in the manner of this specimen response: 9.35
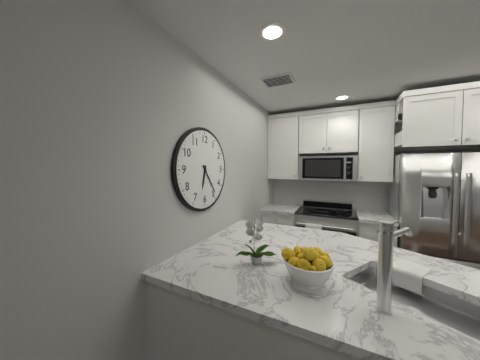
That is 6.24
